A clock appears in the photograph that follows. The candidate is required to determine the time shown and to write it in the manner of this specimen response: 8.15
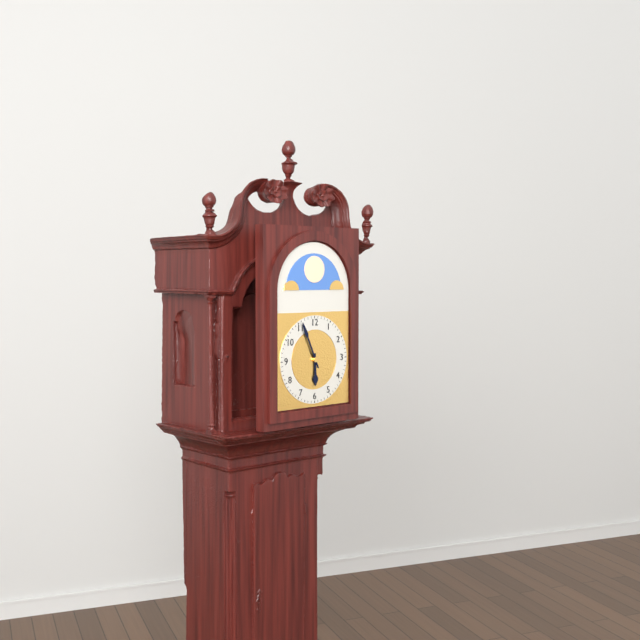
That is 5.56
